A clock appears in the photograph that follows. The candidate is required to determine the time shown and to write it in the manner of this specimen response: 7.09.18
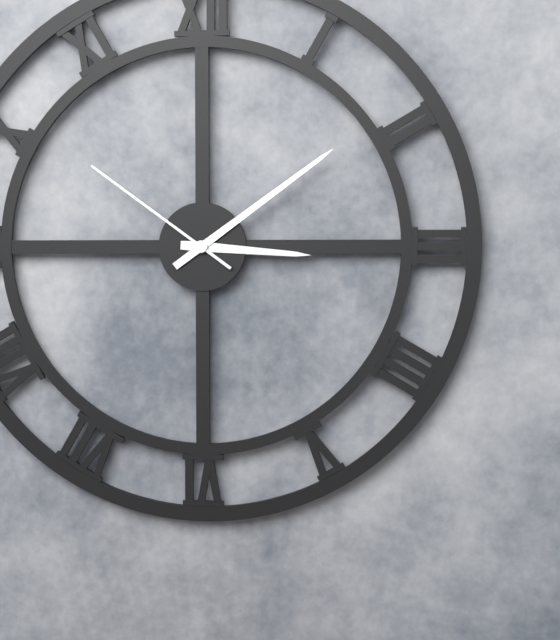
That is 3.09.51
